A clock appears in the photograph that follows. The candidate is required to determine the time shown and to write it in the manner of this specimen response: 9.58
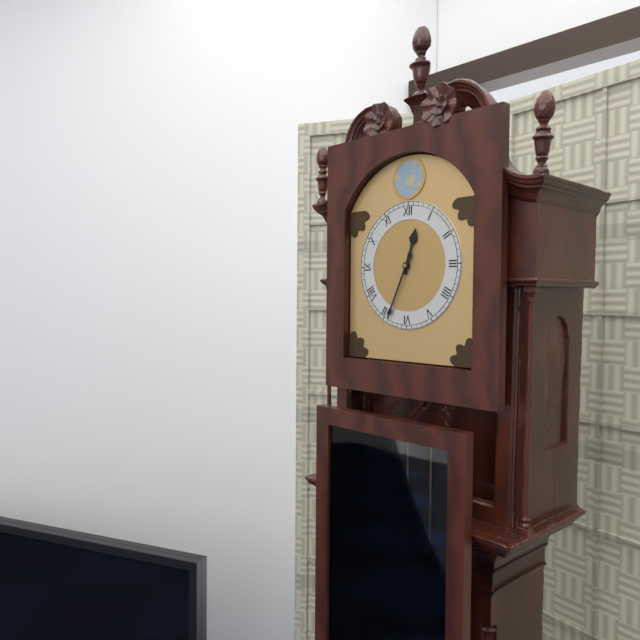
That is 12.34
